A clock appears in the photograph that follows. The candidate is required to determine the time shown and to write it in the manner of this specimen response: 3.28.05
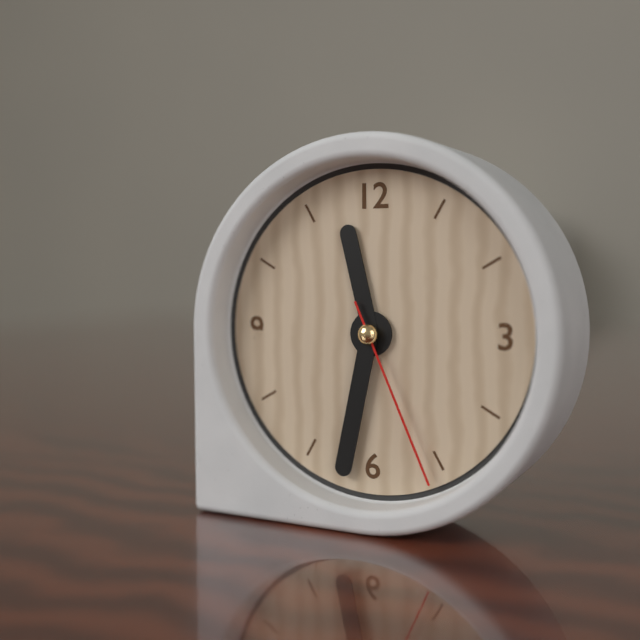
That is 11.32.26
